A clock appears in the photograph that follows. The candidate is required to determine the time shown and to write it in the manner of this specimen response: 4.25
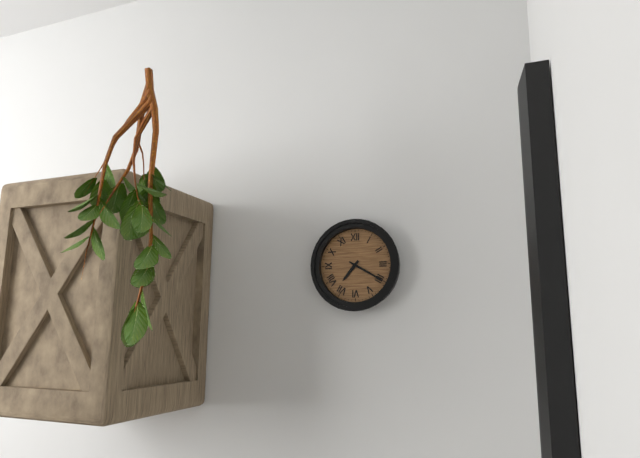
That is 7.20
